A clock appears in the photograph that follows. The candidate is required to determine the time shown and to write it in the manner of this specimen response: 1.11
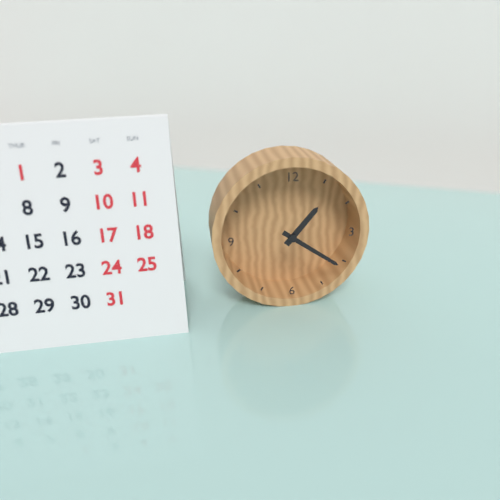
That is 1.21
